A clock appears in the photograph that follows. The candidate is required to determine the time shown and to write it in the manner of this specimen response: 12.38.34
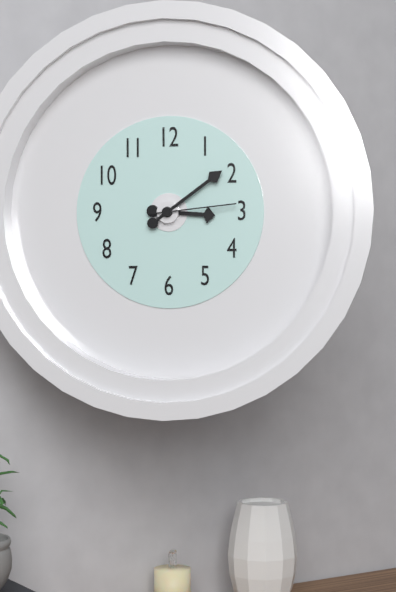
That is 3.09.14
